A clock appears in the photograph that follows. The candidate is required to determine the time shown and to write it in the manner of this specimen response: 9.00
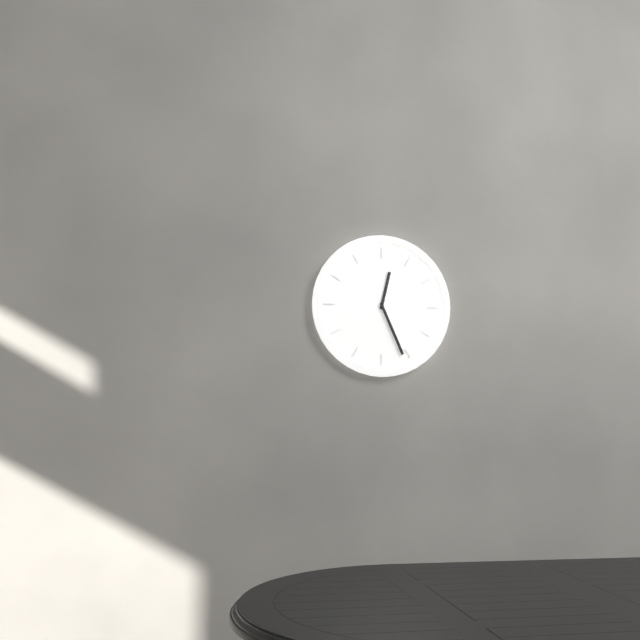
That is 12.26
